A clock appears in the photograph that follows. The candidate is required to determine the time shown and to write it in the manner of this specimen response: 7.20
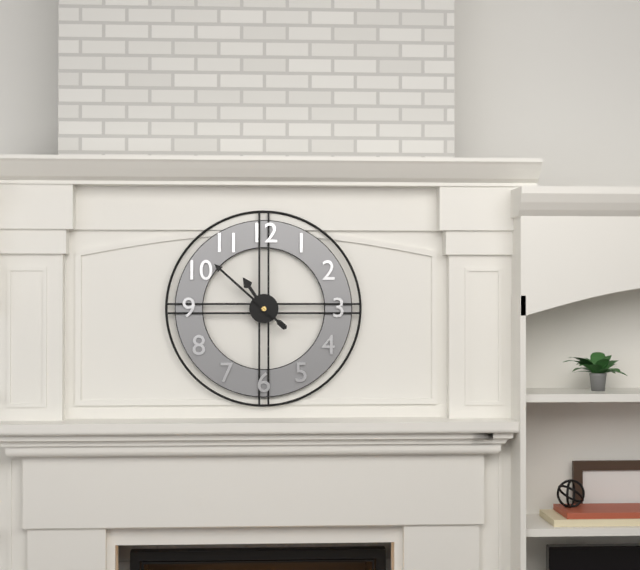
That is 10.52
